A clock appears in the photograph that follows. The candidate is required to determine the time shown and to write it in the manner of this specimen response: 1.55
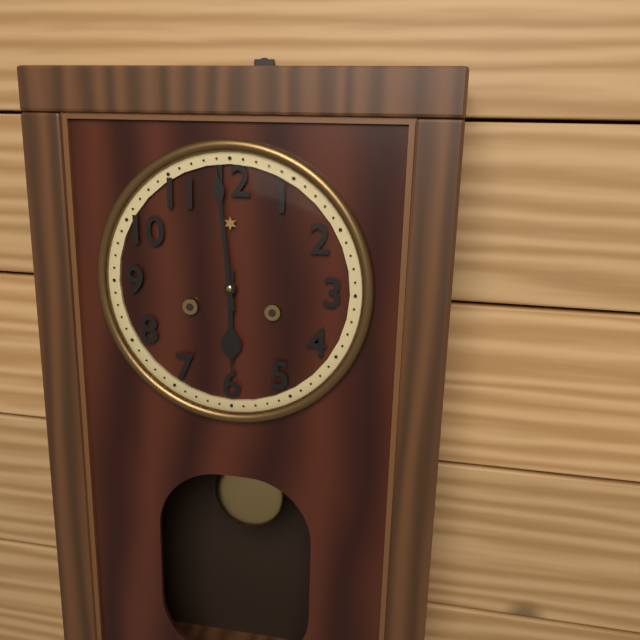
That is 5.59
